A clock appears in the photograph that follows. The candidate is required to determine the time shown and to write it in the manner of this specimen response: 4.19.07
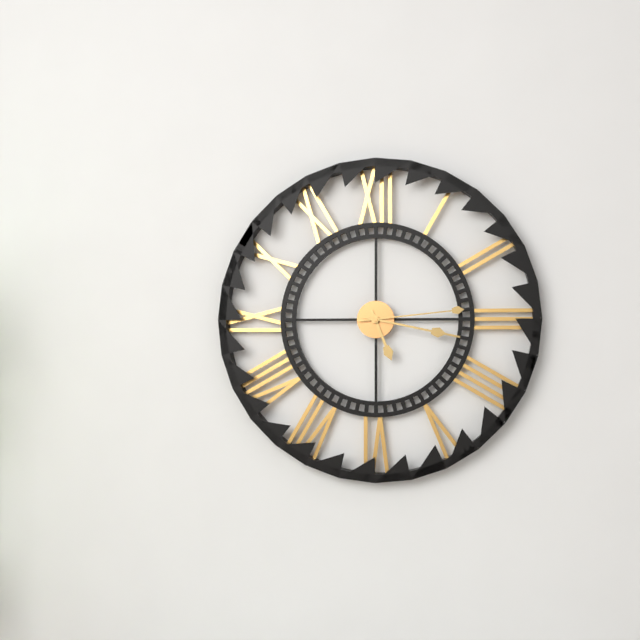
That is 5.17.14
